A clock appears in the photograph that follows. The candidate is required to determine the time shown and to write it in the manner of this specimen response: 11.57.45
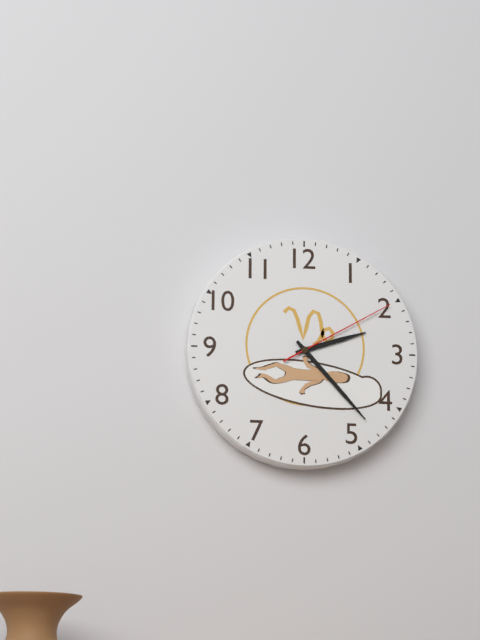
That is 2.23.10
